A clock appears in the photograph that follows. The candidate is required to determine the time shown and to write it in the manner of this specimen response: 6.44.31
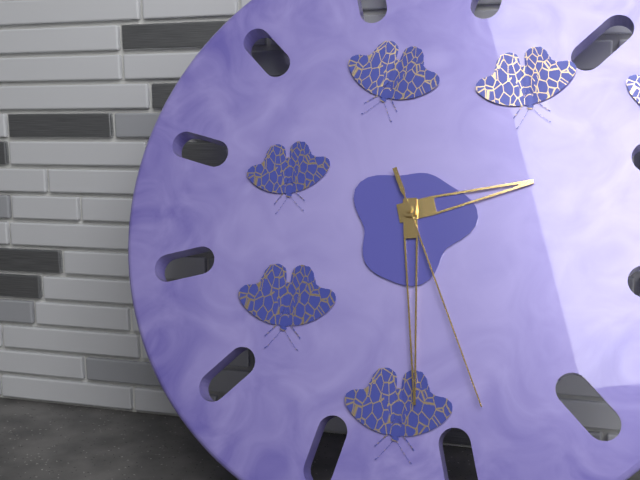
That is 2.29.26
